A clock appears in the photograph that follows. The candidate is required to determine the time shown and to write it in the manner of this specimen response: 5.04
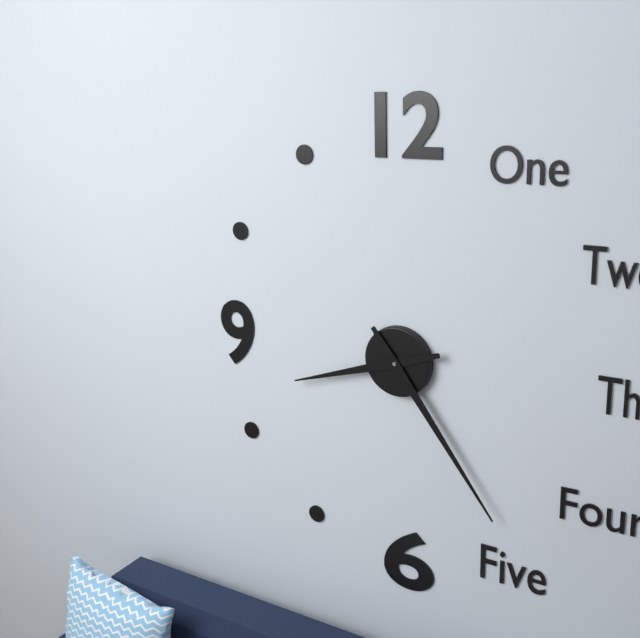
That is 8.24
